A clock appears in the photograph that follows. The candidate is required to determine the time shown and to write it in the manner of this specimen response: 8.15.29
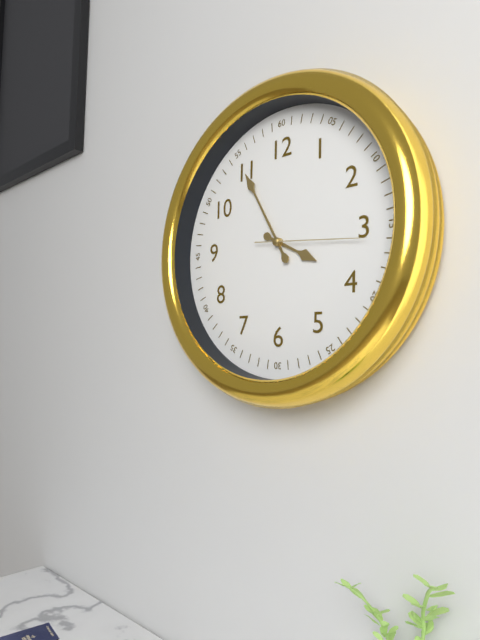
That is 3.55.16
